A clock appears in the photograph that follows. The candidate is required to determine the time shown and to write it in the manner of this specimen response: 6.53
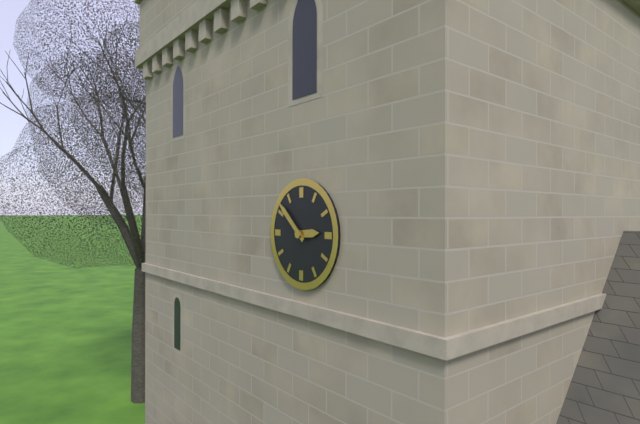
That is 2.52
